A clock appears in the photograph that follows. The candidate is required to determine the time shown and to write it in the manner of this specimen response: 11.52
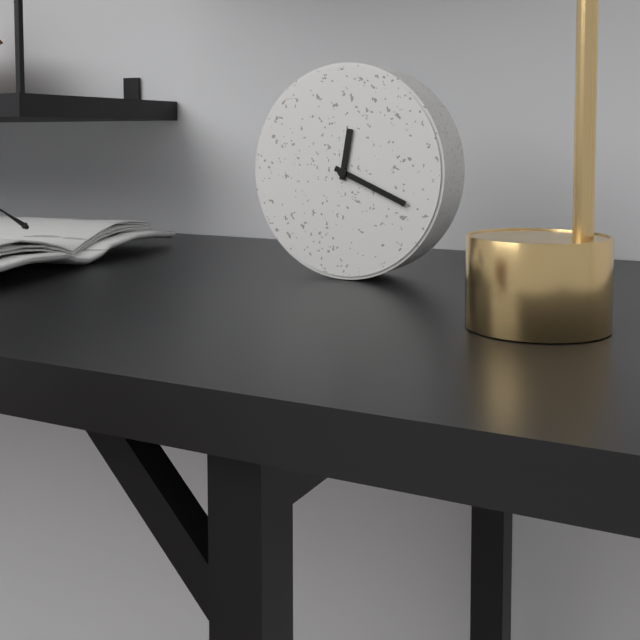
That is 12.19
